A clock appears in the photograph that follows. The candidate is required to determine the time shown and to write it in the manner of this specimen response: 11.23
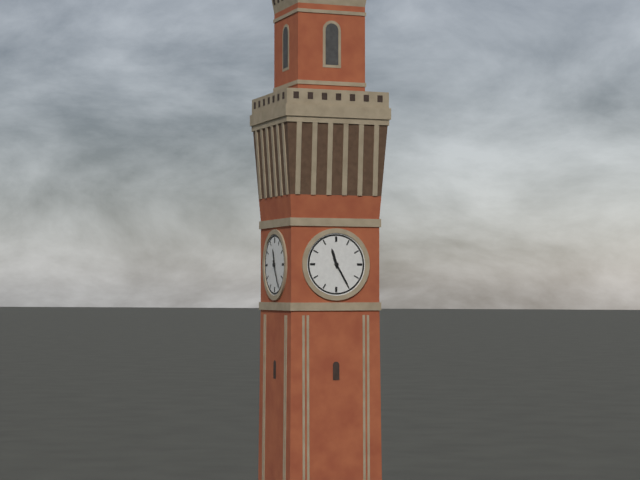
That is 11.25
